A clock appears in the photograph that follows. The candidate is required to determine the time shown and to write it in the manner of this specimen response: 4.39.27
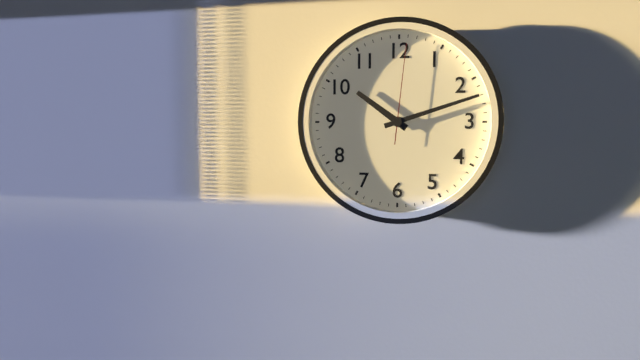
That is 10.12.01
